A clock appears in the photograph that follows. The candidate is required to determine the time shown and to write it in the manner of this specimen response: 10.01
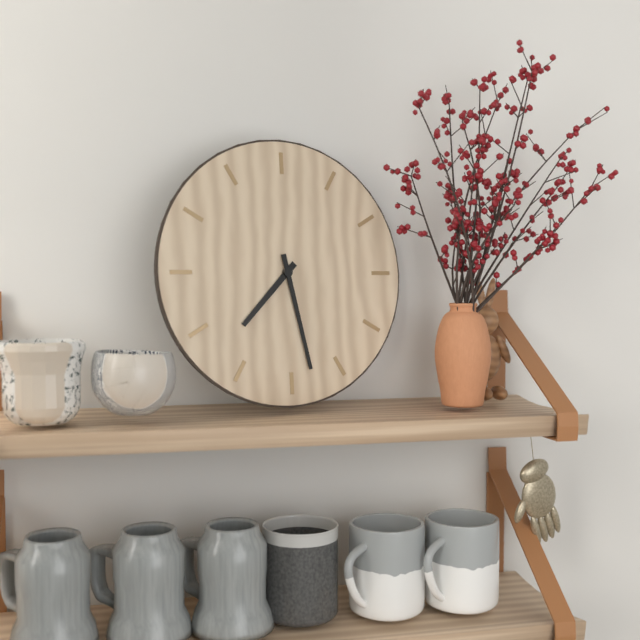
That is 7.28
